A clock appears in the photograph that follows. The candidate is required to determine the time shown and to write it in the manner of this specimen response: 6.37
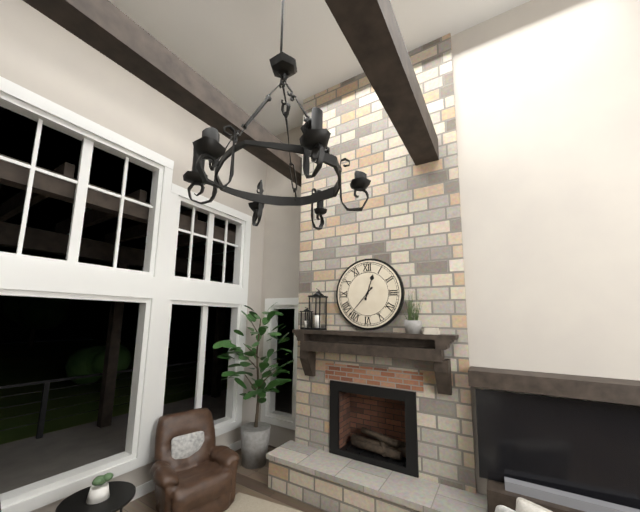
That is 12.37
